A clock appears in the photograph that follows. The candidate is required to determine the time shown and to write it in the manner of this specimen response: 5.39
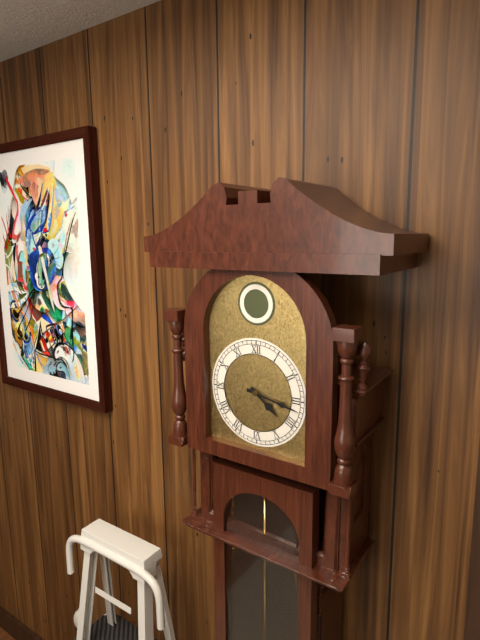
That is 4.17
